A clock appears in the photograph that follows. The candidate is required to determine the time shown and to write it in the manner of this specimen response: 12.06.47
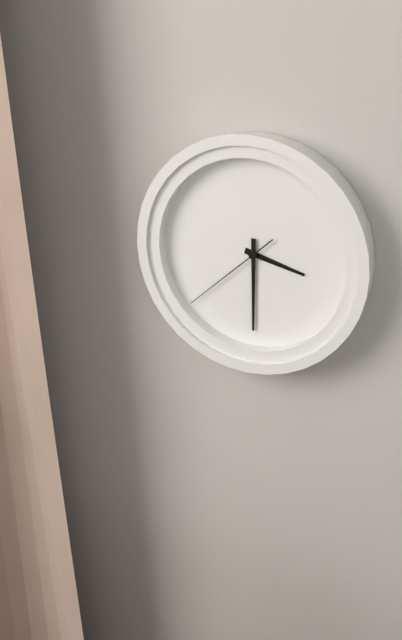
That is 3.30.38
